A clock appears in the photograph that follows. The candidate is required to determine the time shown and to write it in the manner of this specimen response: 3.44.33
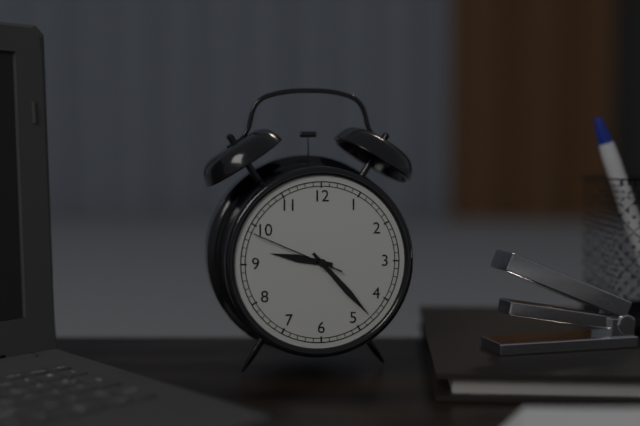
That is 9.23.49
